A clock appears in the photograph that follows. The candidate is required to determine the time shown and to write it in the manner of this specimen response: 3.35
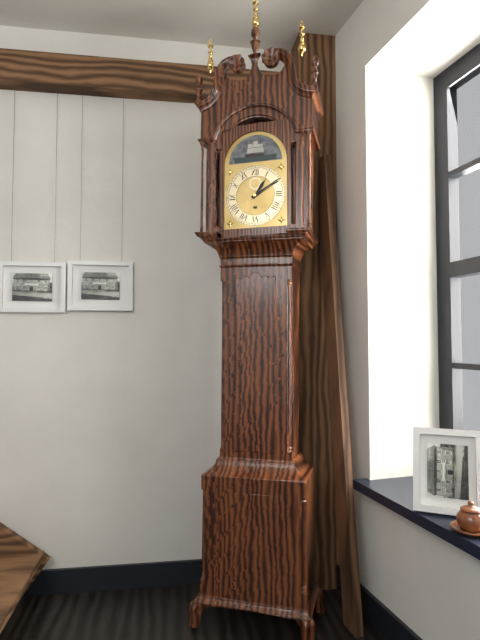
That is 1.10
